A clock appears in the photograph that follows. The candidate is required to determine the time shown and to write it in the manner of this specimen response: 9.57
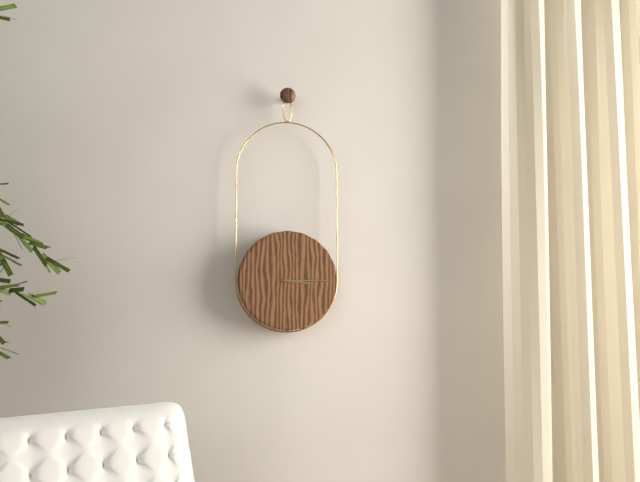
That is 3.15
